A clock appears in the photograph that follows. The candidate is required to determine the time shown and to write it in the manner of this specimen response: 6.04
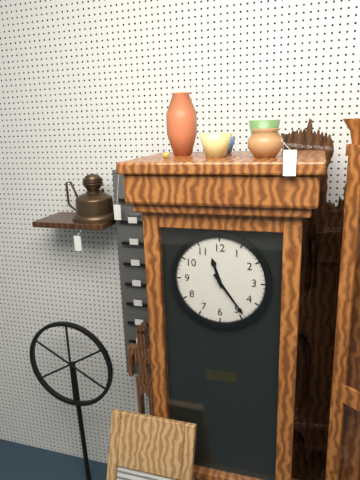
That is 11.24
